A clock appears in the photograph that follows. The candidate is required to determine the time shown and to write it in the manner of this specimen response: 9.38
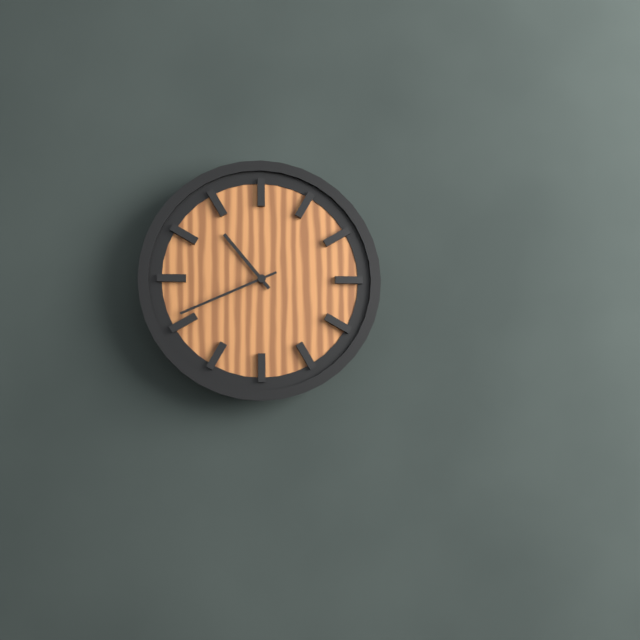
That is 10.41
